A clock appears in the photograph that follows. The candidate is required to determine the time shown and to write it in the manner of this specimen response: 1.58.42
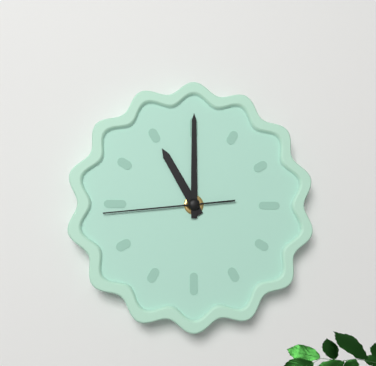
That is 11.00.44
